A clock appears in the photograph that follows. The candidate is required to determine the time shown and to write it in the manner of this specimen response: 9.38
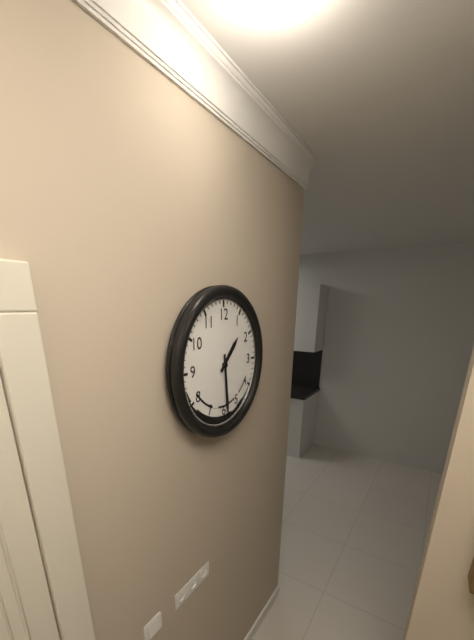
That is 1.29
